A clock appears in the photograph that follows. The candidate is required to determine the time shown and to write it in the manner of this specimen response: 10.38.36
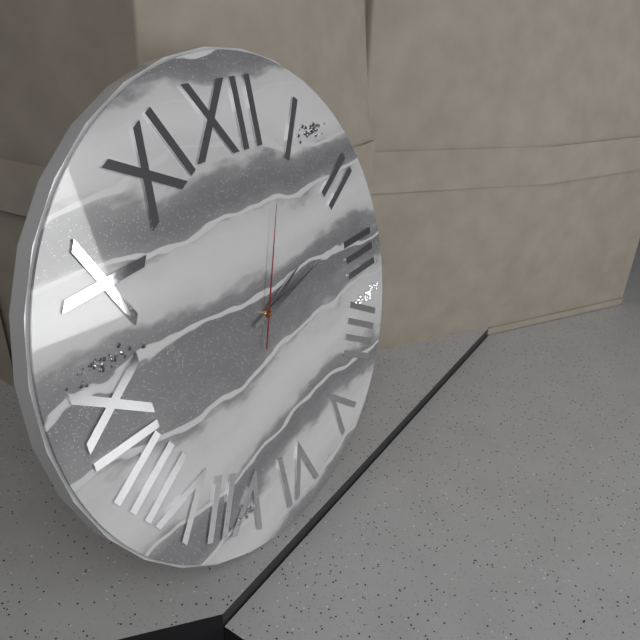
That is 2.13.04
